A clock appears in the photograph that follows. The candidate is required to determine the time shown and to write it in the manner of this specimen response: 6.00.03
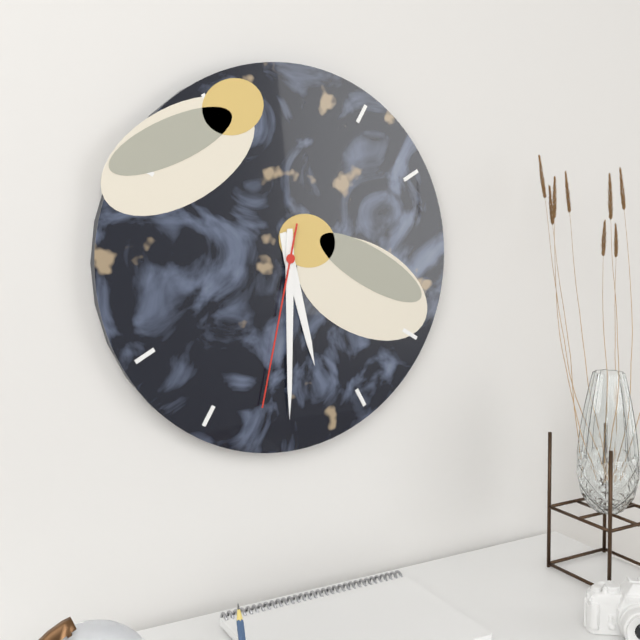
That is 5.30.32
